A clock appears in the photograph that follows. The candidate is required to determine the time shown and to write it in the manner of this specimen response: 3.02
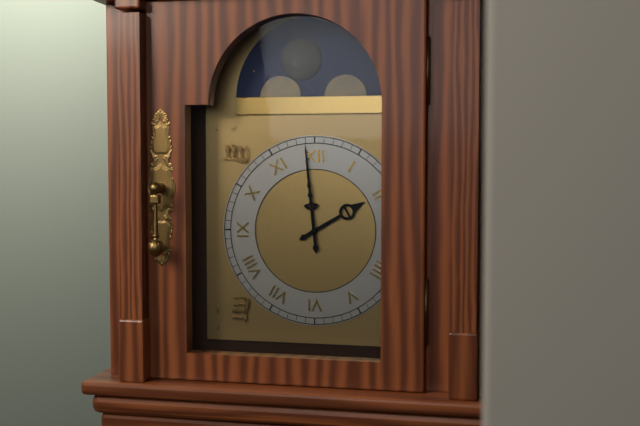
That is 1.59
